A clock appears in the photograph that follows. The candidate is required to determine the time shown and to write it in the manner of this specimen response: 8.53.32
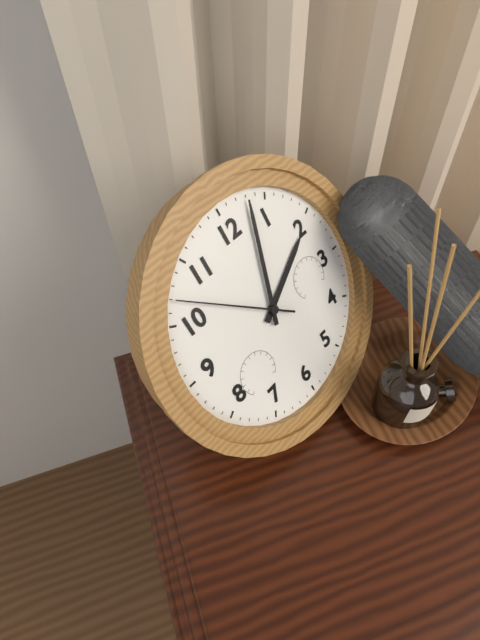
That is 2.03.52
